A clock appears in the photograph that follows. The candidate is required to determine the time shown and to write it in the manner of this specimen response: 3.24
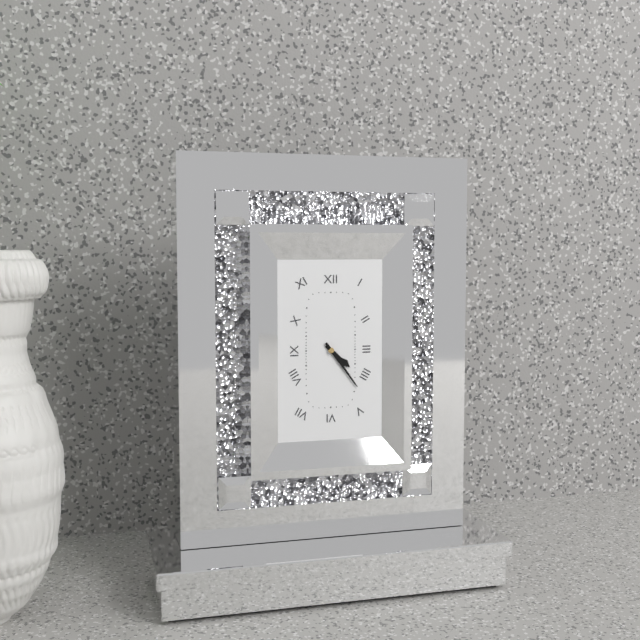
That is 4.24
